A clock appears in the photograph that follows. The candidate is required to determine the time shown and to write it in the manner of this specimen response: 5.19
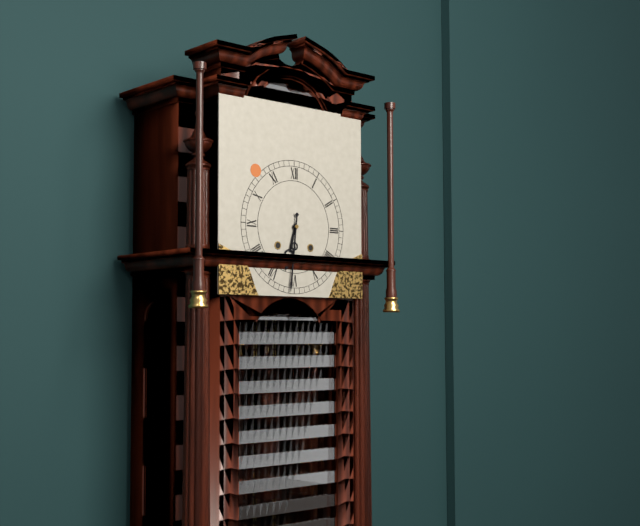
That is 6.31
